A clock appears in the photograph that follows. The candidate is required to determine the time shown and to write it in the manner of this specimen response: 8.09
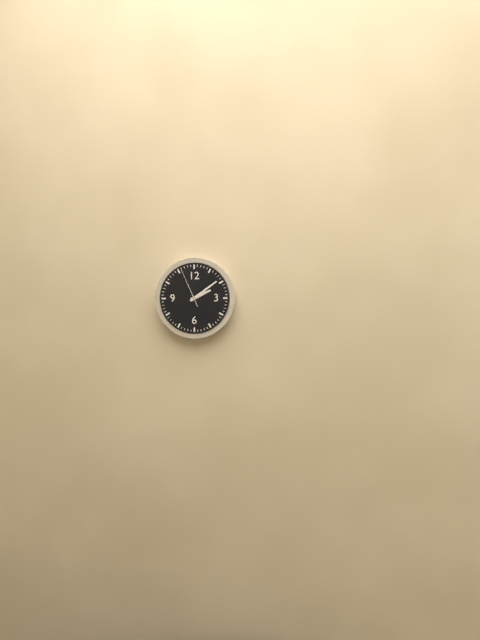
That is 2.09
